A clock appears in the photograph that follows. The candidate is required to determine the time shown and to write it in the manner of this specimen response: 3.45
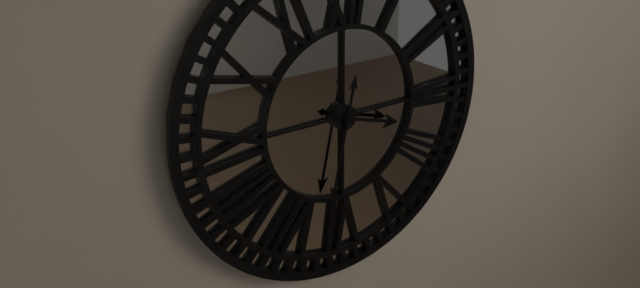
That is 3.32
